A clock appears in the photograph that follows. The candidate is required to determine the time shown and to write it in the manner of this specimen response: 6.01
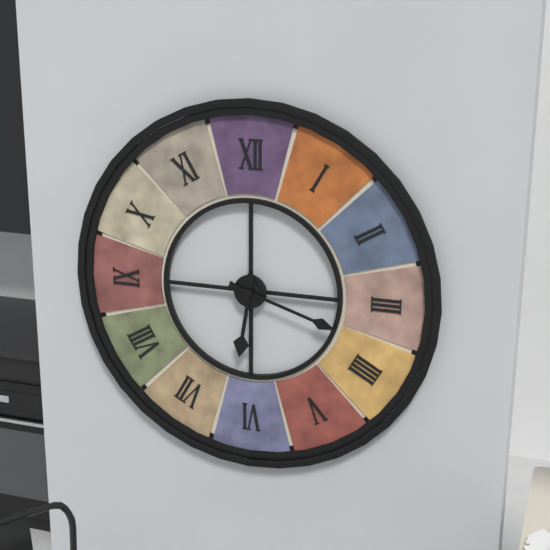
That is 6.18
